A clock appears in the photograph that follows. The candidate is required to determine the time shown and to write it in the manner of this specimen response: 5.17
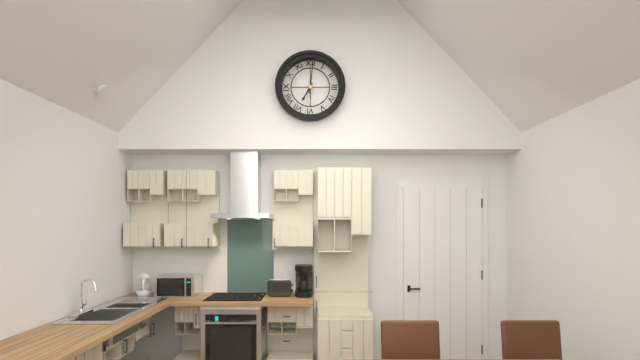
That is 7.01
